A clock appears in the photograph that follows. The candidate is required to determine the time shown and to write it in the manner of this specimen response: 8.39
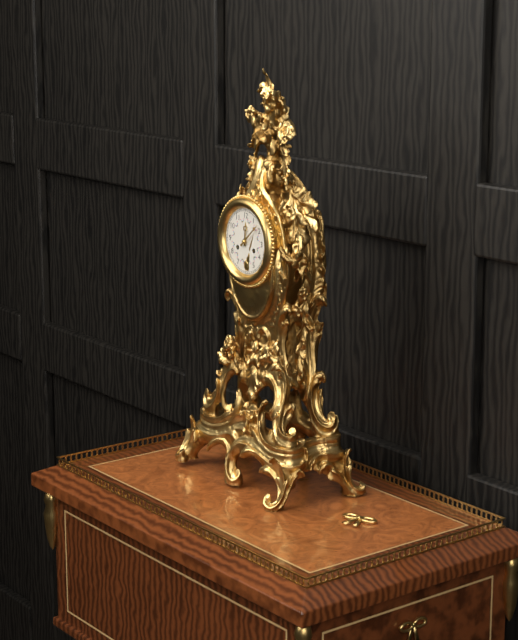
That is 12.08
